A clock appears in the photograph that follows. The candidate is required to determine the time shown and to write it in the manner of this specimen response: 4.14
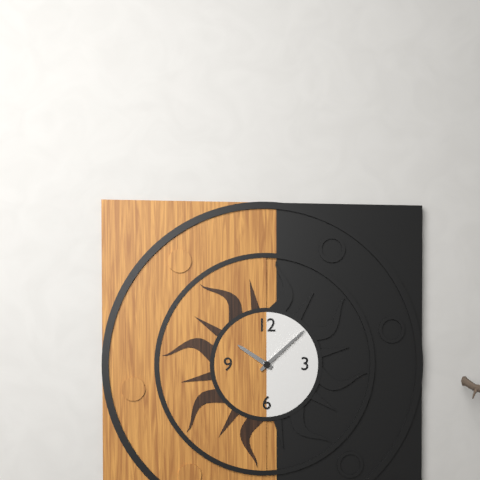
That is 10.08
